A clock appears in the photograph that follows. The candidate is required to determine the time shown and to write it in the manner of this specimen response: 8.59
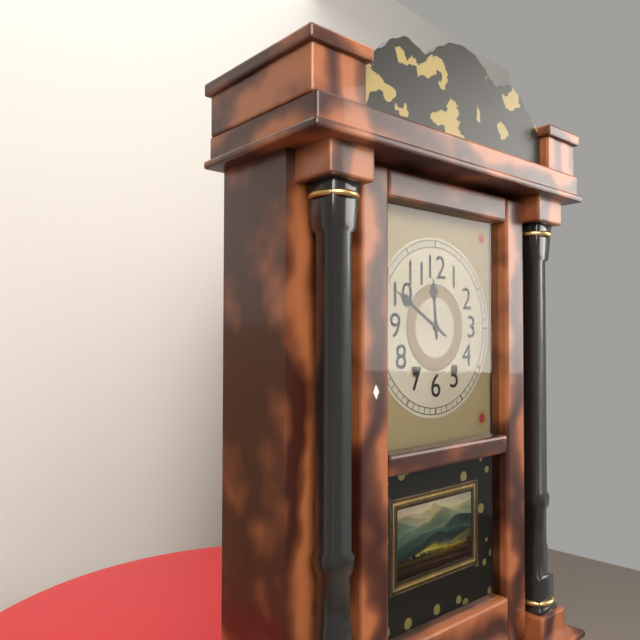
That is 11.50
